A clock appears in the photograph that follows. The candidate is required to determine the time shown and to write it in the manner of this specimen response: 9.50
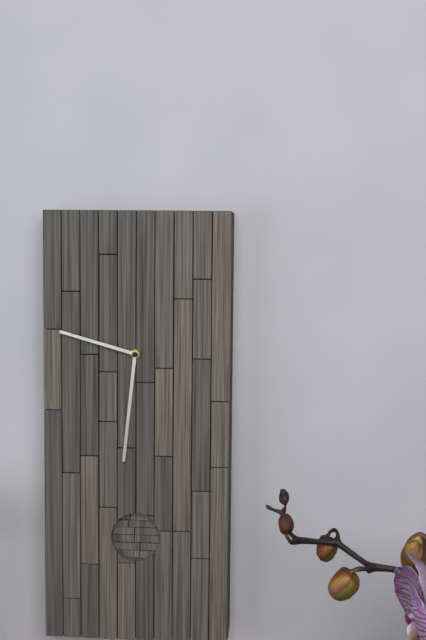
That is 9.31
